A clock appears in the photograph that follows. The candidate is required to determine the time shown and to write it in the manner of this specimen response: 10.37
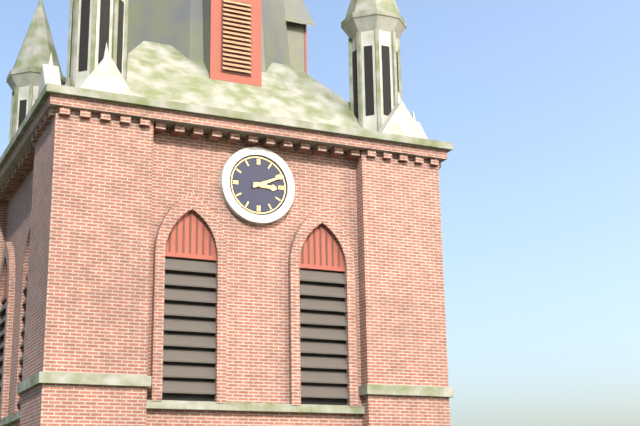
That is 3.11
